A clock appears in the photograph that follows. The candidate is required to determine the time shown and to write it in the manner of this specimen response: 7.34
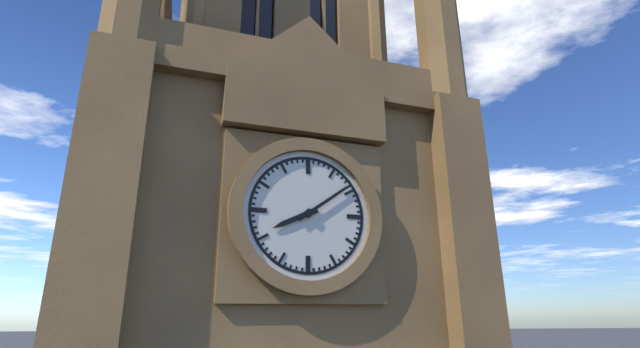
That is 8.09
